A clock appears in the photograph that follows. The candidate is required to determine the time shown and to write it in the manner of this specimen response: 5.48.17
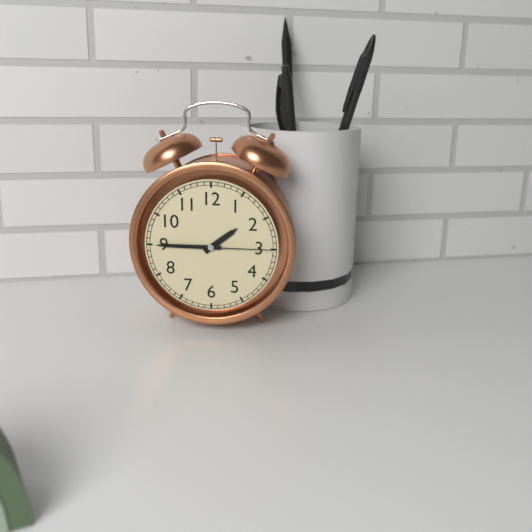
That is 1.45.15
